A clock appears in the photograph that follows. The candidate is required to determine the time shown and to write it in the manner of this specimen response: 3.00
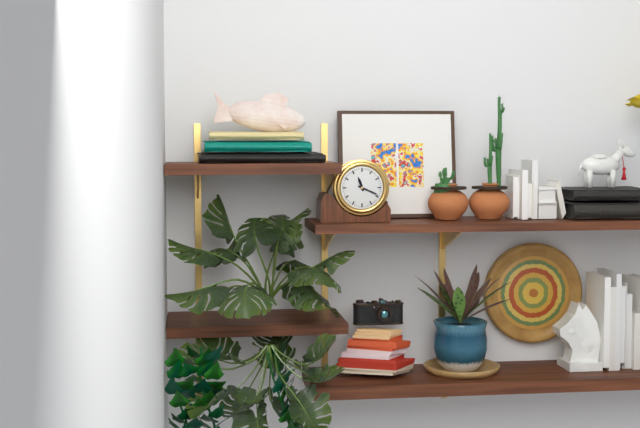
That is 11.19
